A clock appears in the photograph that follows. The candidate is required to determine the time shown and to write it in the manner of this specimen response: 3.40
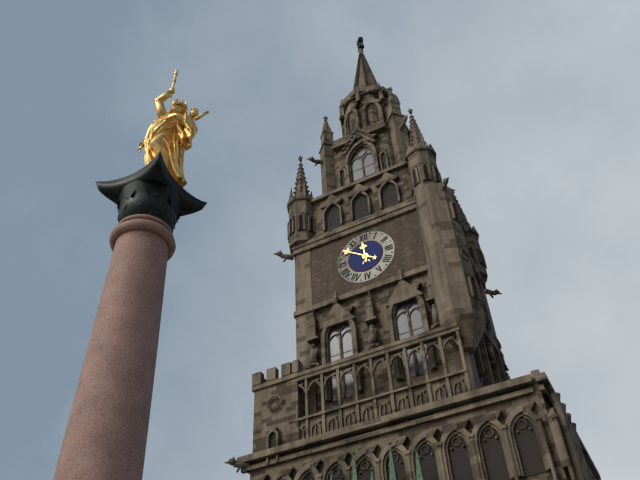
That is 11.51
